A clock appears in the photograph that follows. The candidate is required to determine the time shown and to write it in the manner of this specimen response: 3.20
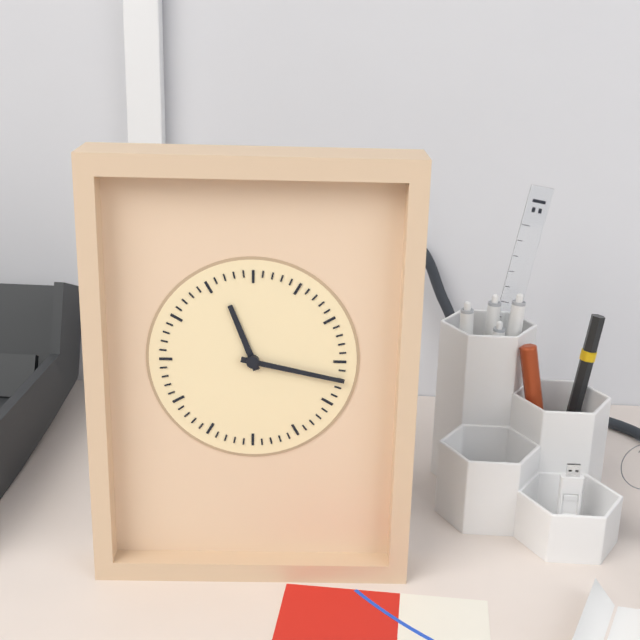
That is 11.17
